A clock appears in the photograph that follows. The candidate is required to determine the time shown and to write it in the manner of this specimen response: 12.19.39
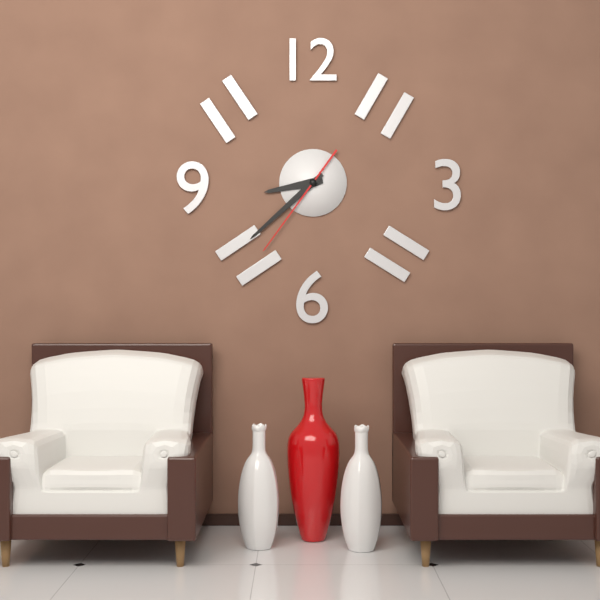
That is 8.38.36
